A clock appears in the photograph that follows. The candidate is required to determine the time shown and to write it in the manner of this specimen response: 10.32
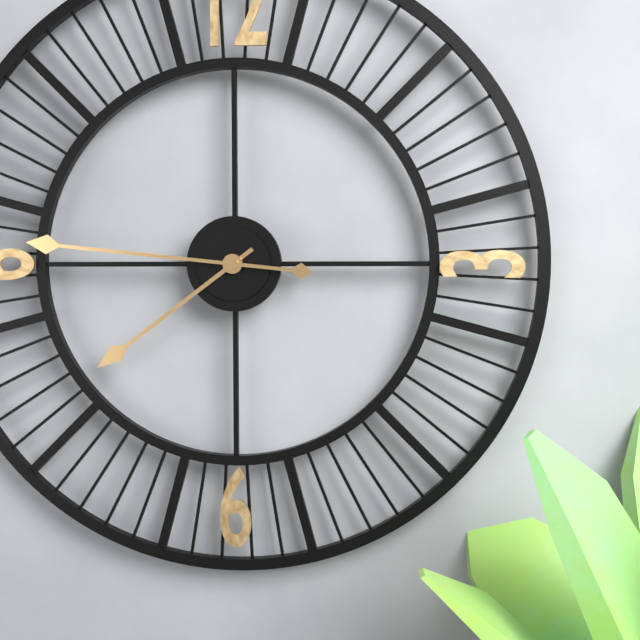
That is 7.46
